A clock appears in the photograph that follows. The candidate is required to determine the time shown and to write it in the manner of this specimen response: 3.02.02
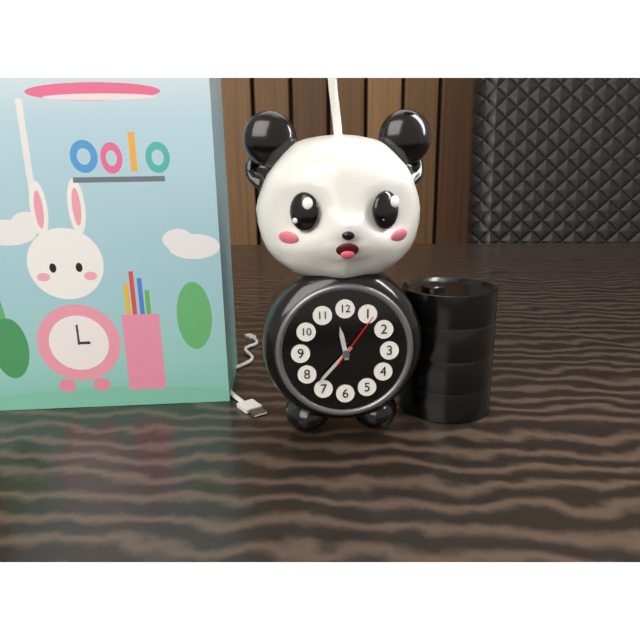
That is 11.37.06
